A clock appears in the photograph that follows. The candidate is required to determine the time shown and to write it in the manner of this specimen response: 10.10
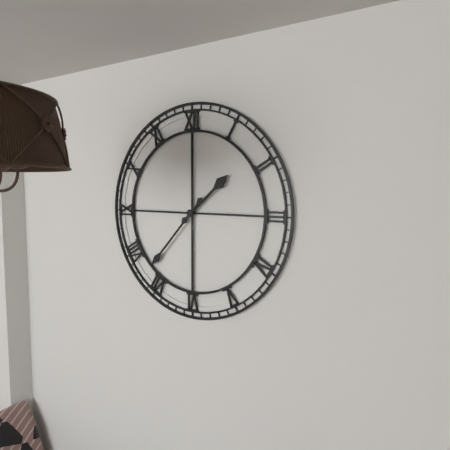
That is 1.37
